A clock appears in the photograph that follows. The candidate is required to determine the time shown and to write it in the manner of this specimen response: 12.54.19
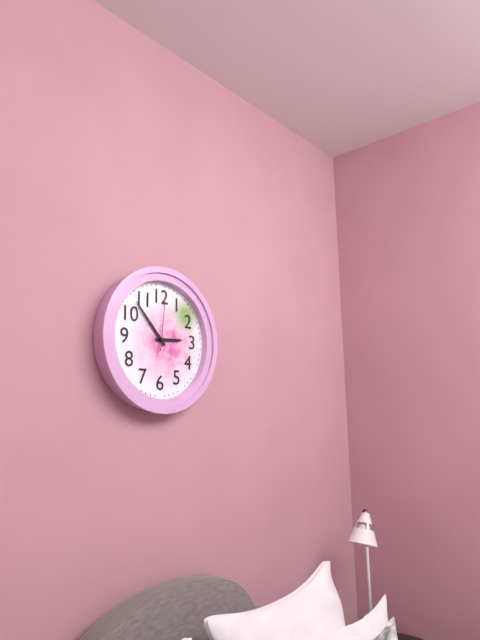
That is 2.53.01
